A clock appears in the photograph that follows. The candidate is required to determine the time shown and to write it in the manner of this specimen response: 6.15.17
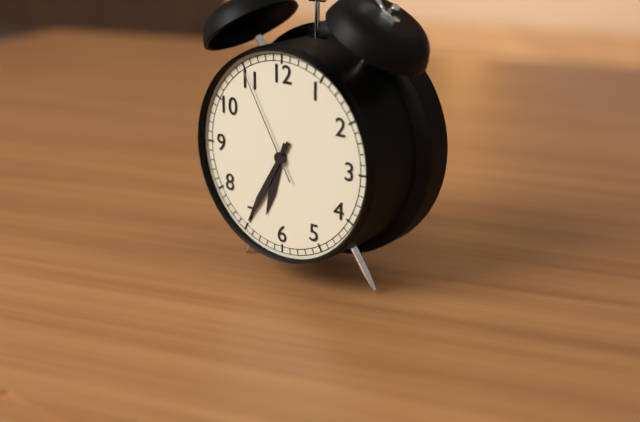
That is 6.35.55
